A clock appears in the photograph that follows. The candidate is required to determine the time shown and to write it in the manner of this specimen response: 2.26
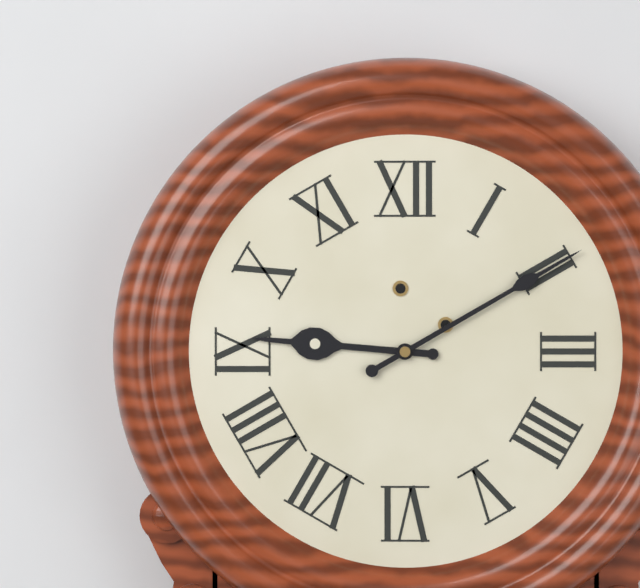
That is 9.10
